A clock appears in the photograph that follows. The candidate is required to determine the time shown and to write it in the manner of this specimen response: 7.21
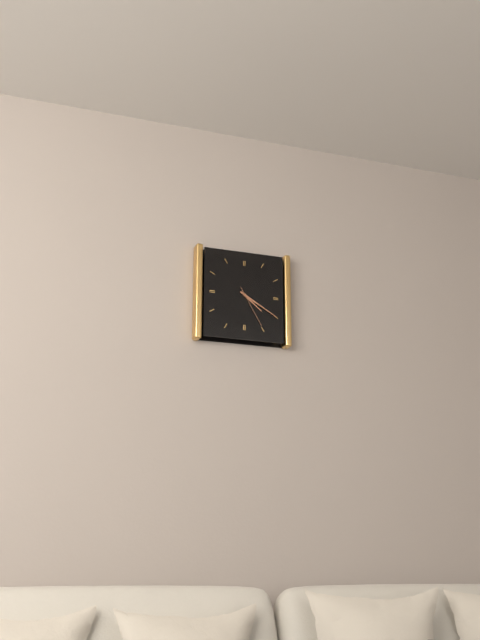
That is 4.20
